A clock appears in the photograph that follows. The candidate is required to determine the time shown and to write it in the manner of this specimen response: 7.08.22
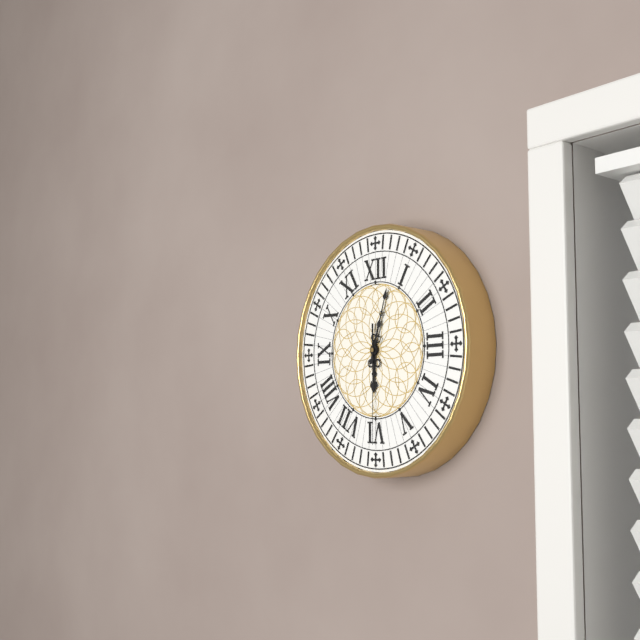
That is 6.03.30
